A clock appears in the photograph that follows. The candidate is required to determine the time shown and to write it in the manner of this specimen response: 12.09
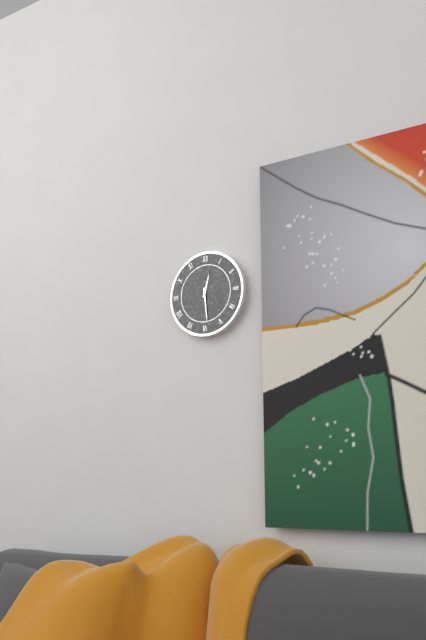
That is 12.29
